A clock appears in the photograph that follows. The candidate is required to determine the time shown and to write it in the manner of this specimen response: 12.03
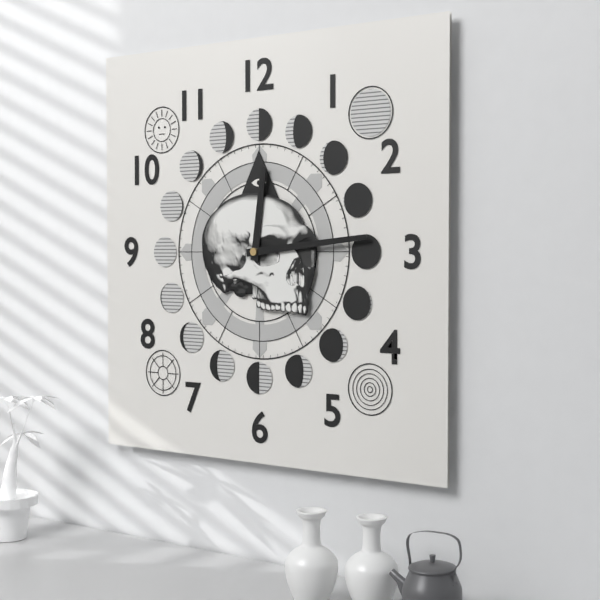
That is 12.14
